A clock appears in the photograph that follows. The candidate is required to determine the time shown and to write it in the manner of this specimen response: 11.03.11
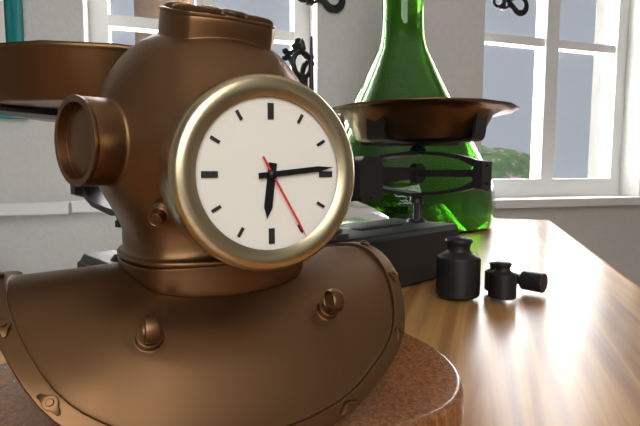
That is 6.14.25
